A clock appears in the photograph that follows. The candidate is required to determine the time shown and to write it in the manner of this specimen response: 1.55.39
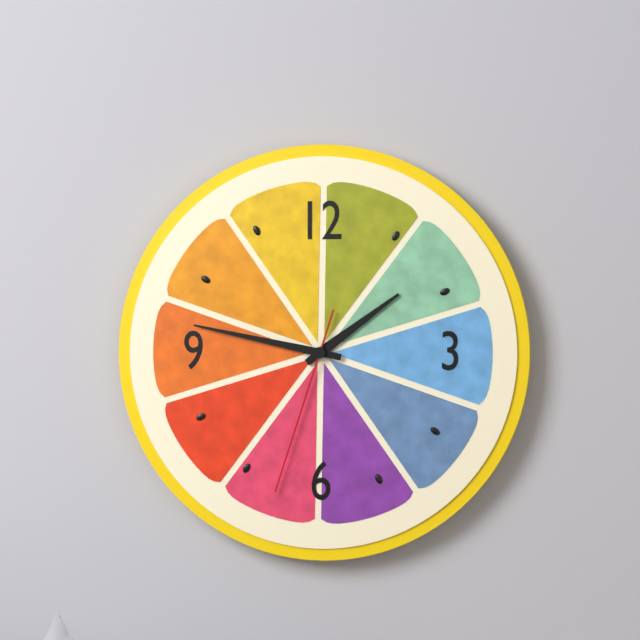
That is 1.47.33
